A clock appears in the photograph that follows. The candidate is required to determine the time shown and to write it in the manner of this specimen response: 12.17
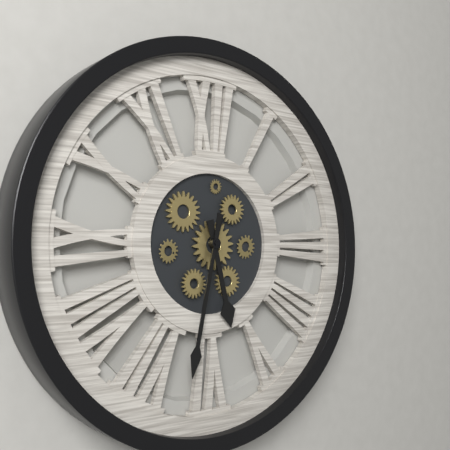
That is 5.32
